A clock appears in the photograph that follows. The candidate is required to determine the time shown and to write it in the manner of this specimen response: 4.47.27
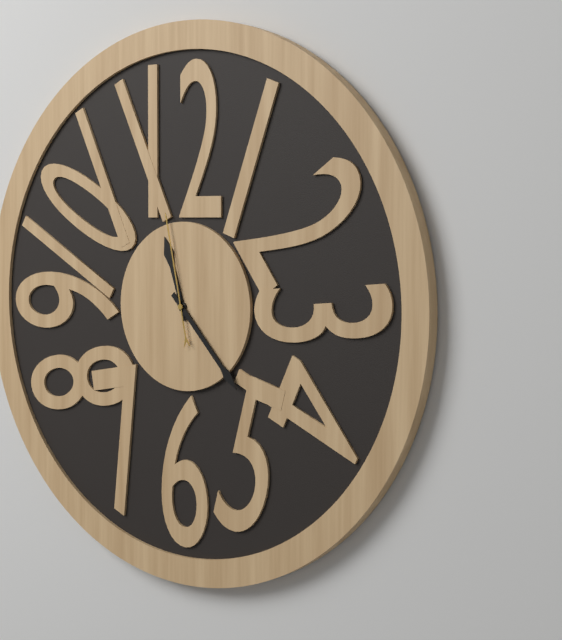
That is 11.23.58
